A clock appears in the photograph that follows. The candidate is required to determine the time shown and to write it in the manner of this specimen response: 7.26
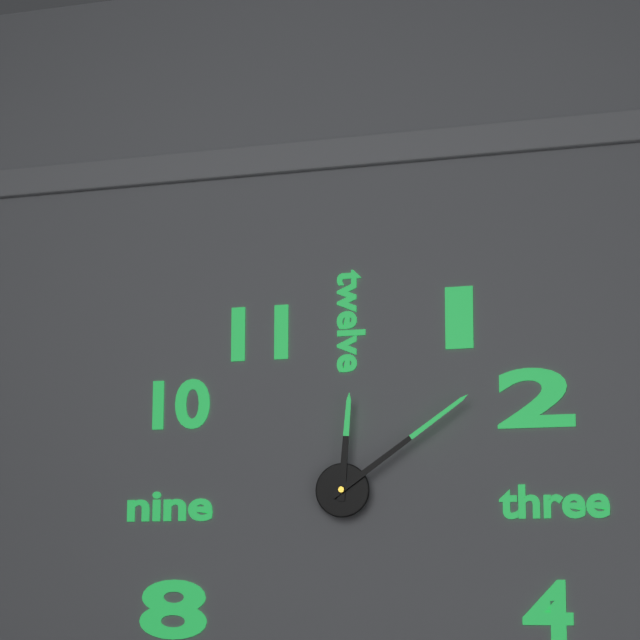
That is 12.09
